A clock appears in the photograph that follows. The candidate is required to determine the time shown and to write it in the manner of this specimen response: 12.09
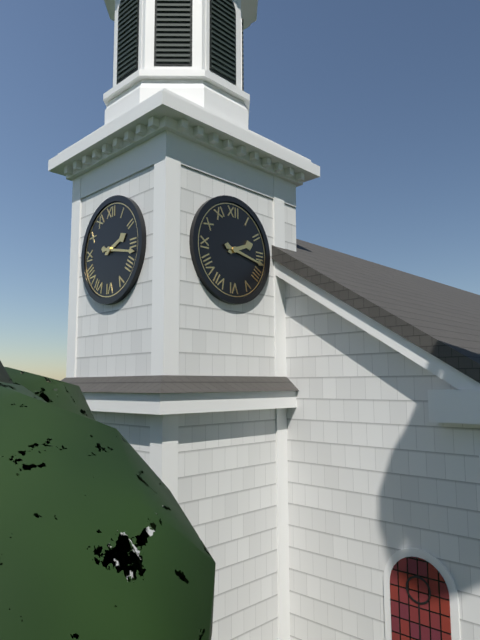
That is 2.17
